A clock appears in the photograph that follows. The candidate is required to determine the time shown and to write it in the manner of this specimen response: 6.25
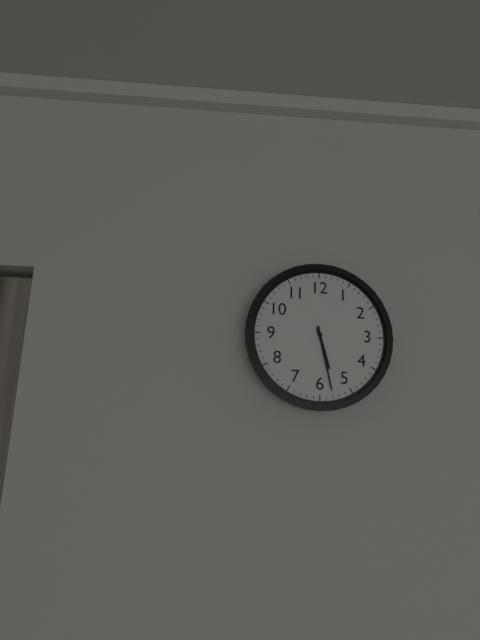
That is 5.28
